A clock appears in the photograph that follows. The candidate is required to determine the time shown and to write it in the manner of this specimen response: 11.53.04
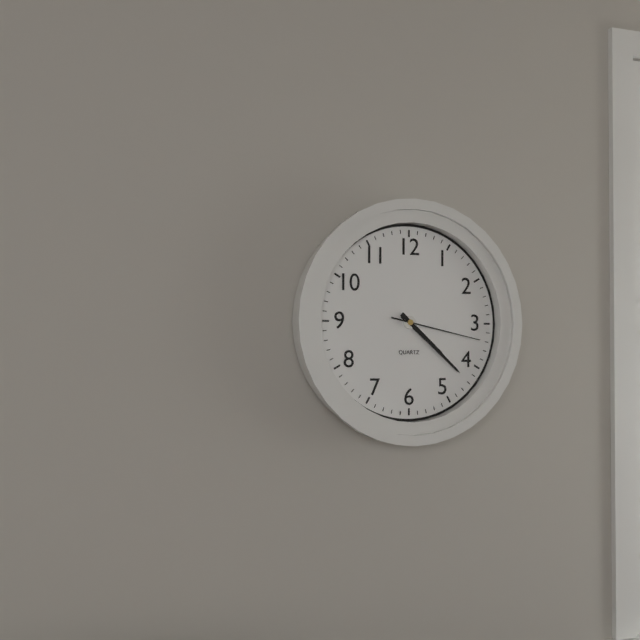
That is 4.22.17
